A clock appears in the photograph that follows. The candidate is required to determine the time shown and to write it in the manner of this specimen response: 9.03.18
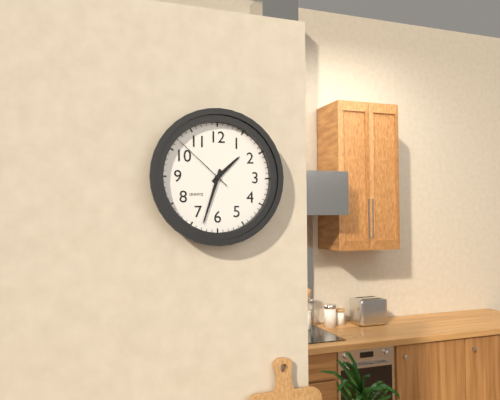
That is 1.33.52
